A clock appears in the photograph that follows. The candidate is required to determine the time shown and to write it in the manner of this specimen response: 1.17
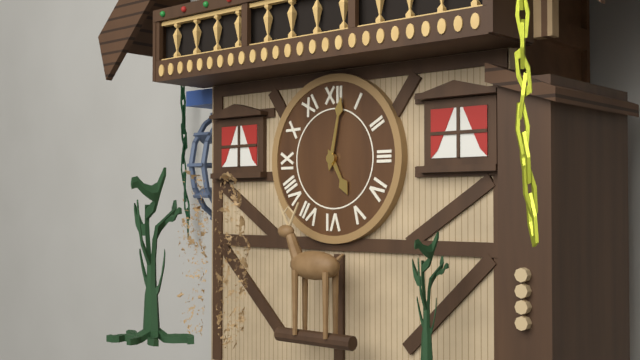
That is 5.02
